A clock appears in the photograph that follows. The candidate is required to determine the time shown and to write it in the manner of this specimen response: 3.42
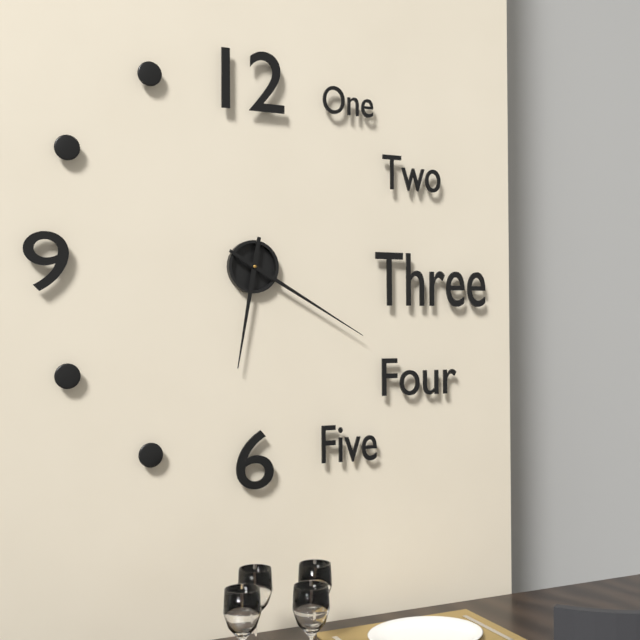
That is 6.20
